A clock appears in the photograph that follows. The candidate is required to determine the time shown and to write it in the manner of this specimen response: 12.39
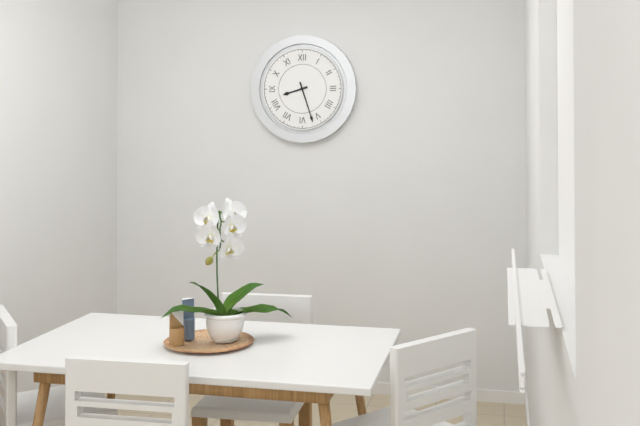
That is 8.27
